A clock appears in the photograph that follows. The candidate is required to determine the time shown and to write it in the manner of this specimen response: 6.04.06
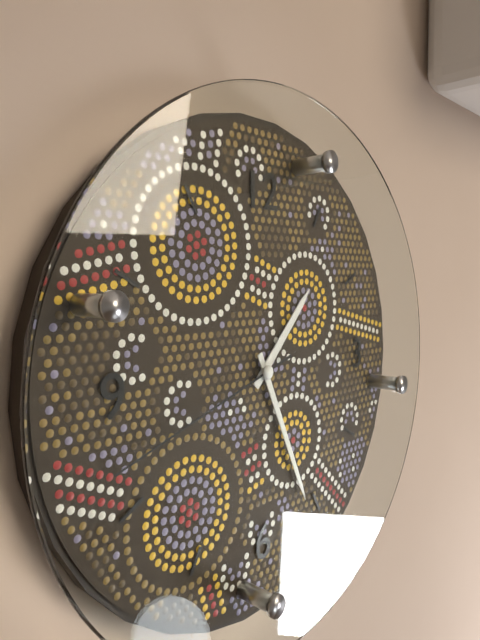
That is 1.26.42
